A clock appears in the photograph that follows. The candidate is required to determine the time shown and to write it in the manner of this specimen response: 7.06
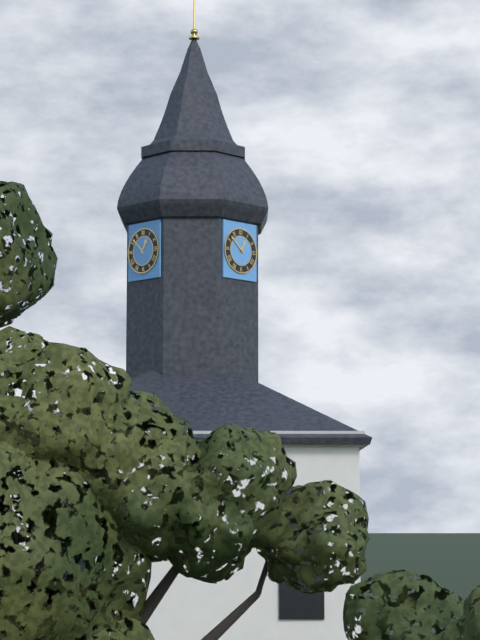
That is 12.52
